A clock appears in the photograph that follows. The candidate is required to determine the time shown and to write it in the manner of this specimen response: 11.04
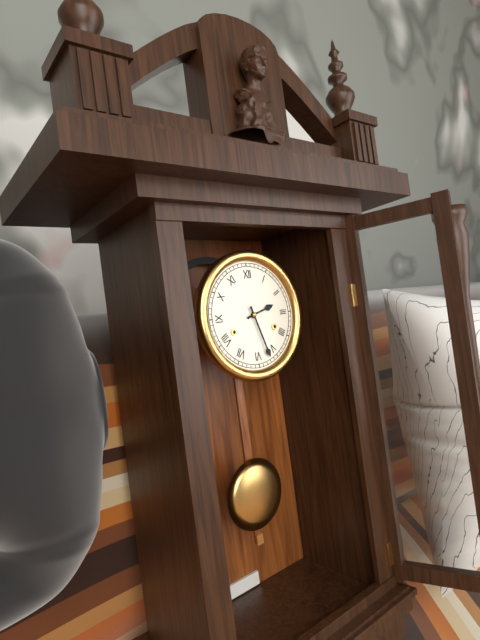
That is 2.27
